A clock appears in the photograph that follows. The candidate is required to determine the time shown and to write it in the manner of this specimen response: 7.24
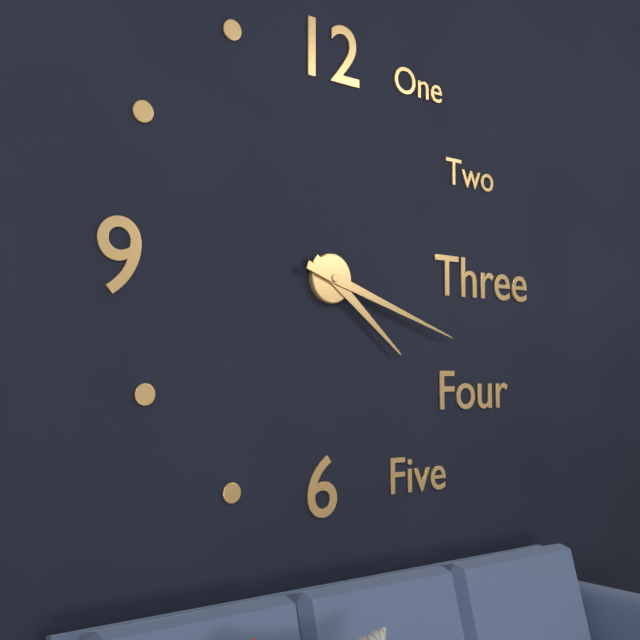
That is 4.18
